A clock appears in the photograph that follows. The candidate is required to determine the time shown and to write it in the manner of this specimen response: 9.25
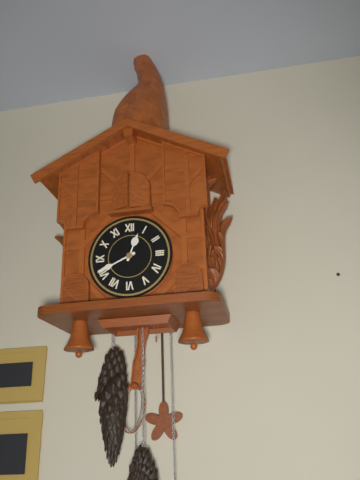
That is 12.41
